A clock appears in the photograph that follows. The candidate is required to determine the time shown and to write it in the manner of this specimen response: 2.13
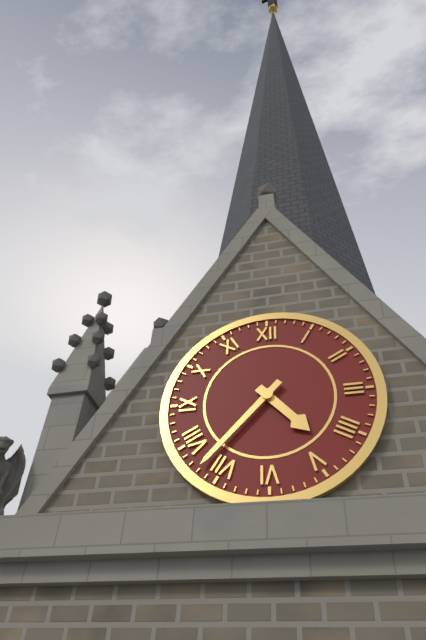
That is 4.37
